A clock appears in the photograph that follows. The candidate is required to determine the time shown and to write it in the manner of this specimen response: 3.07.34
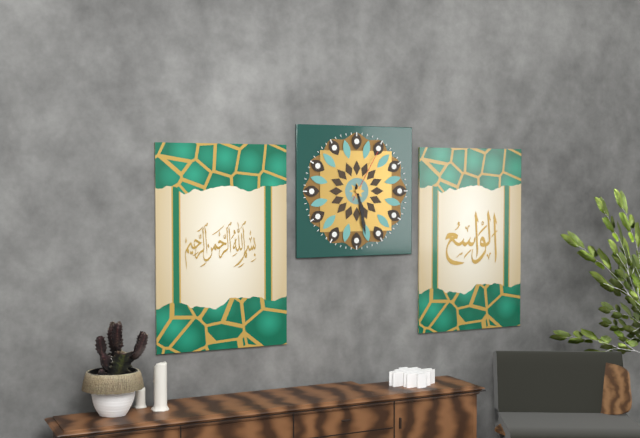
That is 5.28.05
